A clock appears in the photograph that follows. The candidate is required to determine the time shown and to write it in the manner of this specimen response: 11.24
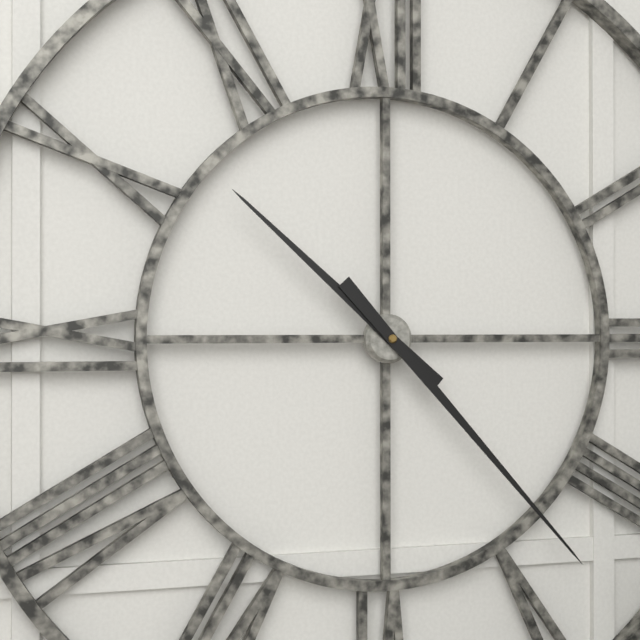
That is 10.23
